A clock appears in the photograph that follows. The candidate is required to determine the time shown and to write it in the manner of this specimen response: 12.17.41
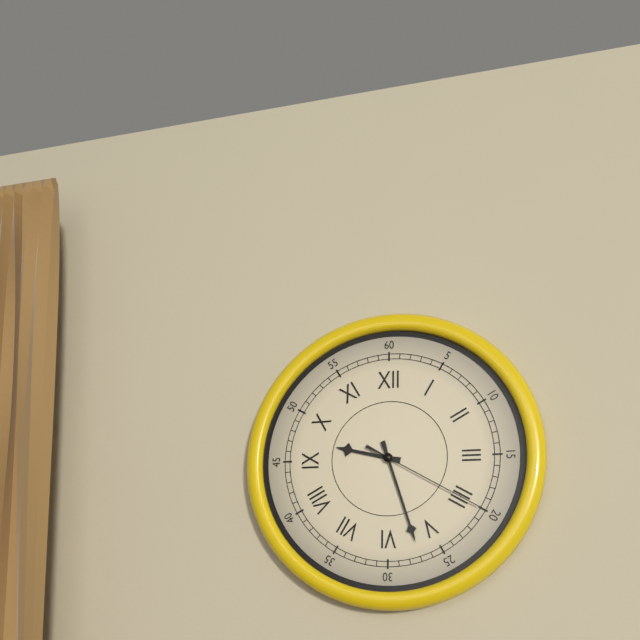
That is 9.27.20
